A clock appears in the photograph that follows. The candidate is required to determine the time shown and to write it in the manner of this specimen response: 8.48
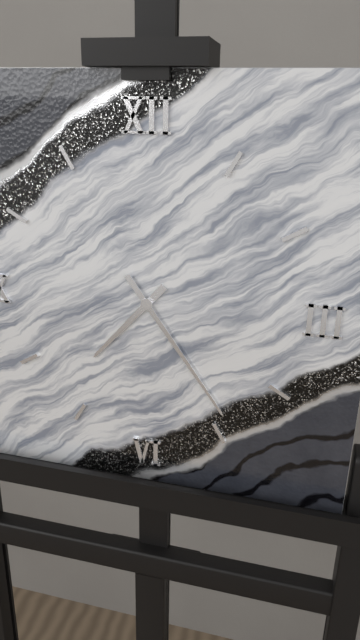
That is 7.24
